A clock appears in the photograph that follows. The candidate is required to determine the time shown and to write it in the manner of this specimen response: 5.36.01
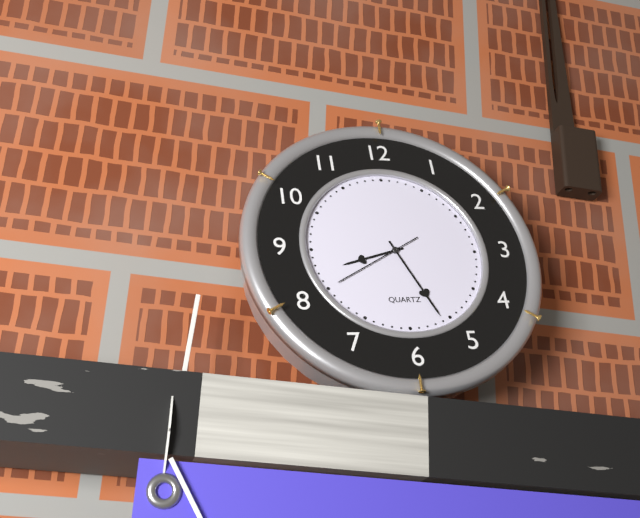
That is 8.26.40
